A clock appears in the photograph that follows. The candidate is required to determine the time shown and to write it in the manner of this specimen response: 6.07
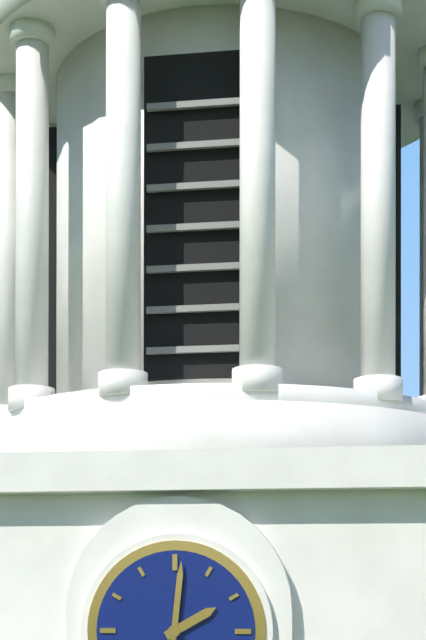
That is 2.01
